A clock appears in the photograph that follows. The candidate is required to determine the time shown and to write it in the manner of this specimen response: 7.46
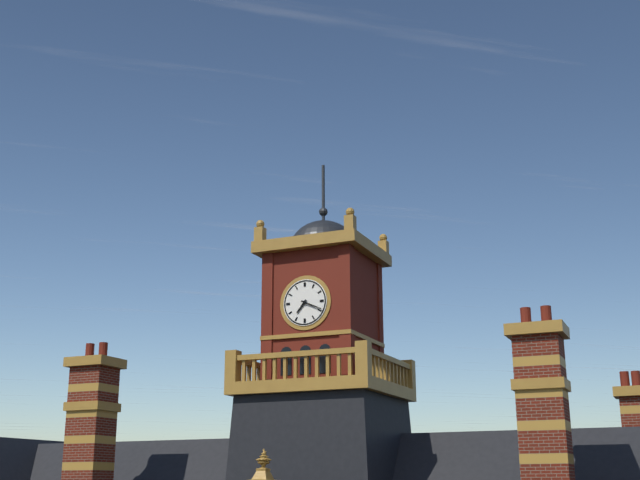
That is 7.19
